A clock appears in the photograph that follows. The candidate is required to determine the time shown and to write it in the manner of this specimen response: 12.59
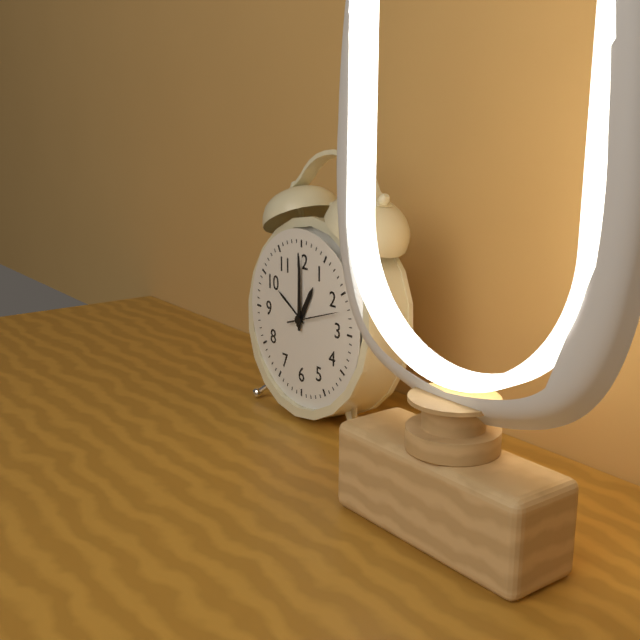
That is 1.00
